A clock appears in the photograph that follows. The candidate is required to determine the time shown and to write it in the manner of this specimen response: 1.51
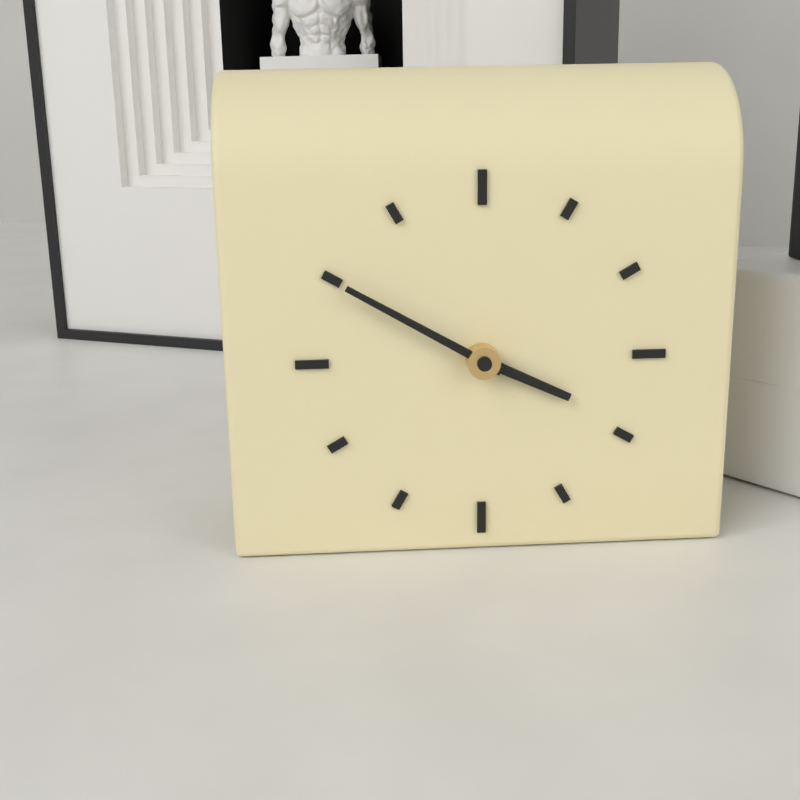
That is 3.50
